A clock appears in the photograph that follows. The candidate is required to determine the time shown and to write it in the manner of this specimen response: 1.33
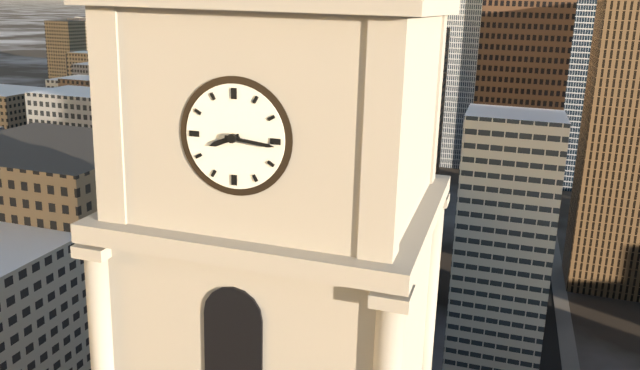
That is 8.16
